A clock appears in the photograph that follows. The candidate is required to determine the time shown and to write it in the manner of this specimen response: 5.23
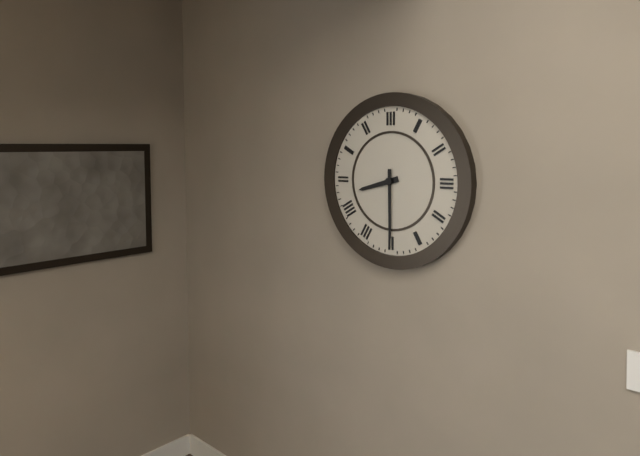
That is 8.30
